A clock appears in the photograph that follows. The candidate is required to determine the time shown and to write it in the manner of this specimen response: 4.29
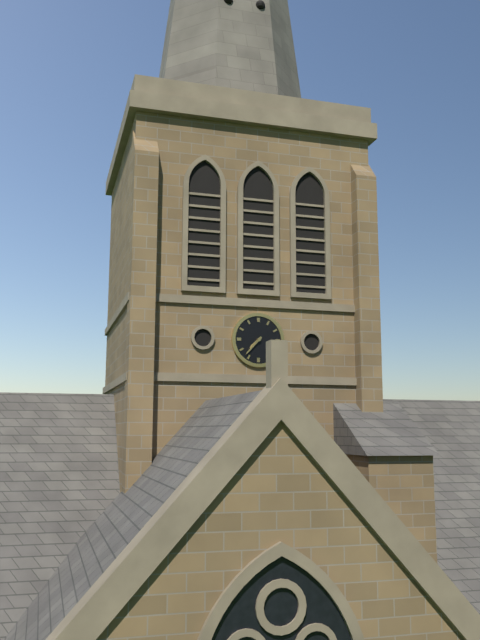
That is 7.37
